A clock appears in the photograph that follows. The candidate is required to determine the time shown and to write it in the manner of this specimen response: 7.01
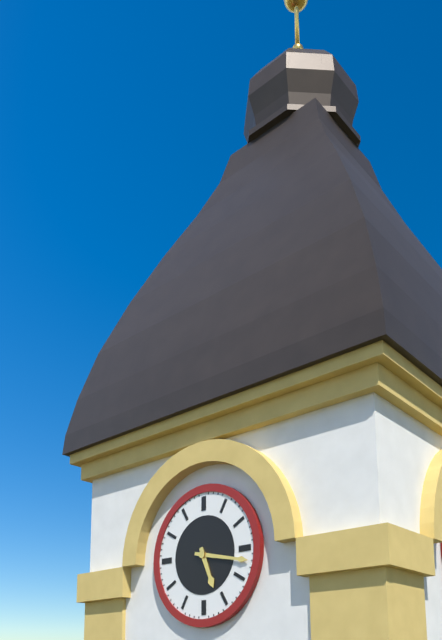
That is 5.17
